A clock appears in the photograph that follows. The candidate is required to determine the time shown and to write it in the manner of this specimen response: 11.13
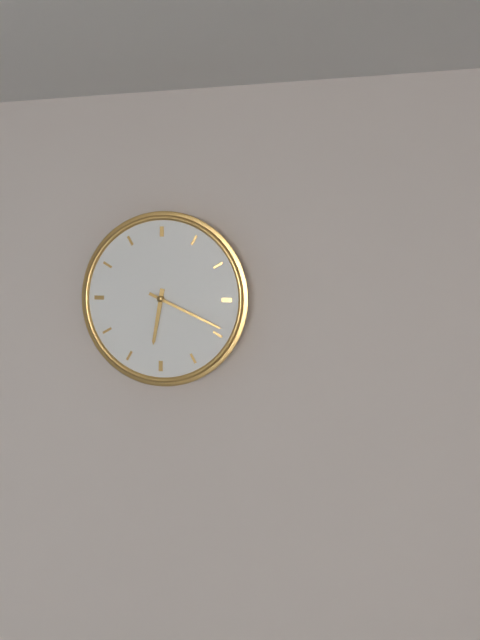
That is 6.19
